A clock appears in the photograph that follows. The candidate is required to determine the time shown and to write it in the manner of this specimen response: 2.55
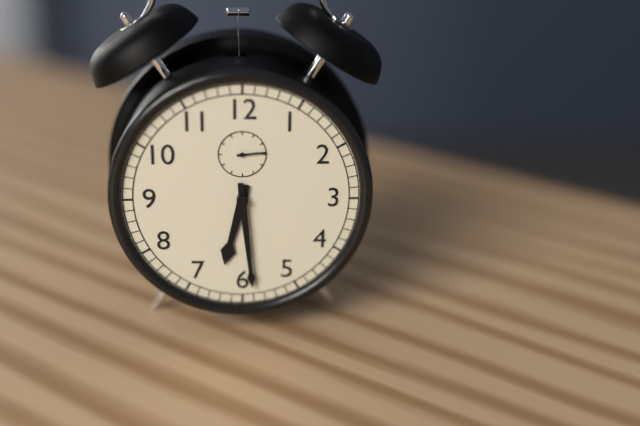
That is 6.29
